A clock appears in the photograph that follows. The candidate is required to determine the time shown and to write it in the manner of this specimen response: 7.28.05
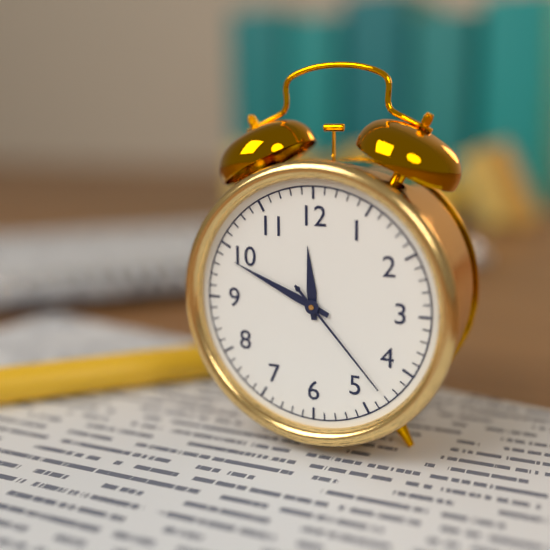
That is 11.49.23
